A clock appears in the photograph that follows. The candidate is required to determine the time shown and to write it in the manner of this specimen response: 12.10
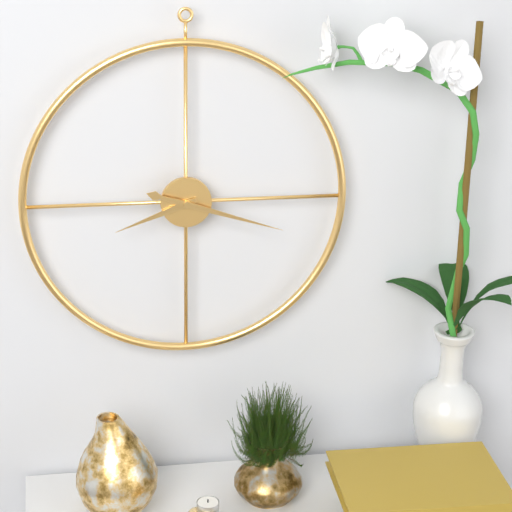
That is 8.18
